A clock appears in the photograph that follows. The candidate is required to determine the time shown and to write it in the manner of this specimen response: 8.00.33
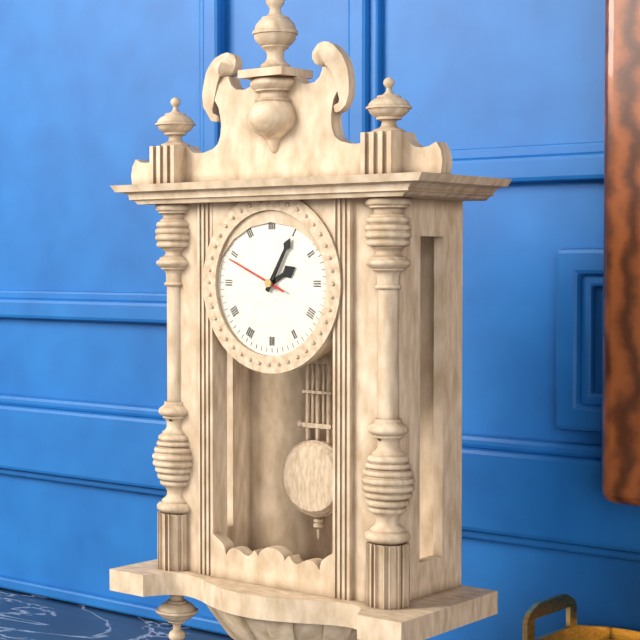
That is 2.05.49
